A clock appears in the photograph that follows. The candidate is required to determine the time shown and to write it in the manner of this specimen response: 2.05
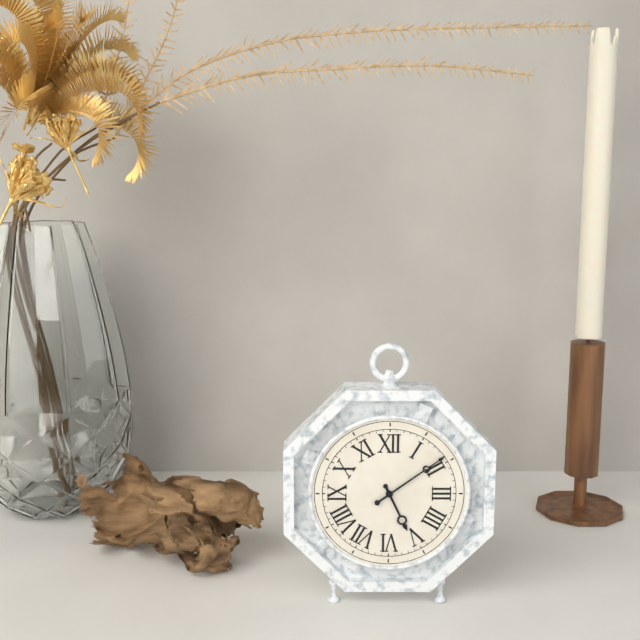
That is 5.09
